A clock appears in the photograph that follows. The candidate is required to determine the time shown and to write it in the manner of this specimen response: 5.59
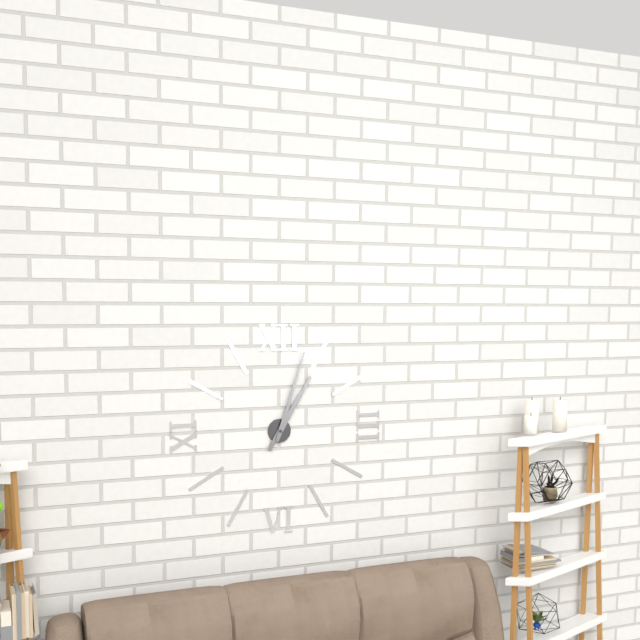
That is 1.03
